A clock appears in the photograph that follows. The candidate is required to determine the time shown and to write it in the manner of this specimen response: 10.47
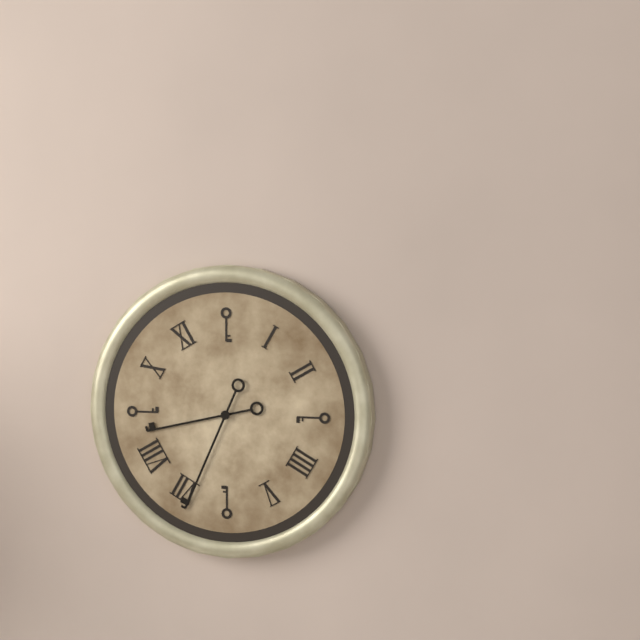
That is 8.34
